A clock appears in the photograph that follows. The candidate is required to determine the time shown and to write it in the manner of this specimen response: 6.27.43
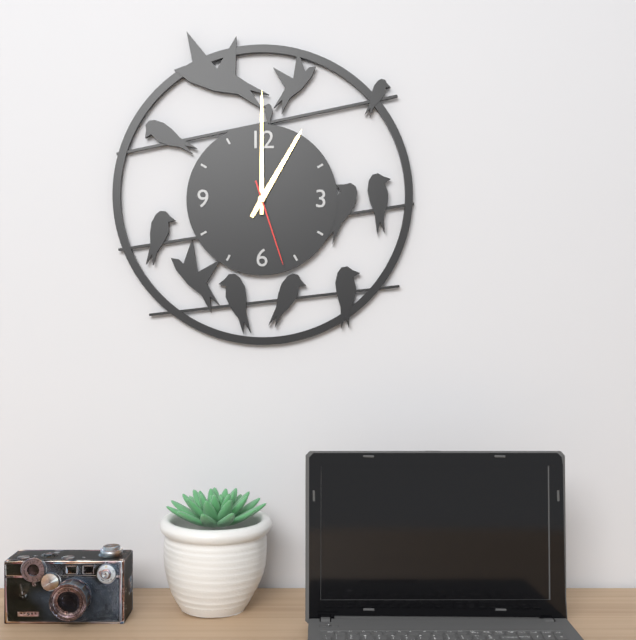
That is 1.00.27
